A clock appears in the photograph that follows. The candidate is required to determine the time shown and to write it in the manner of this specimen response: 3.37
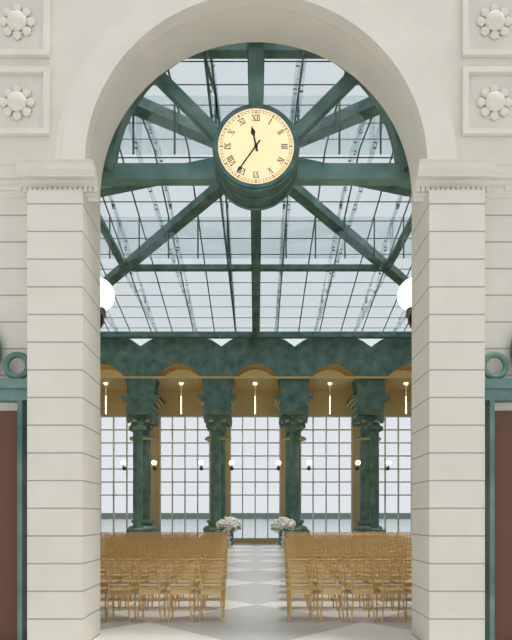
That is 11.36
